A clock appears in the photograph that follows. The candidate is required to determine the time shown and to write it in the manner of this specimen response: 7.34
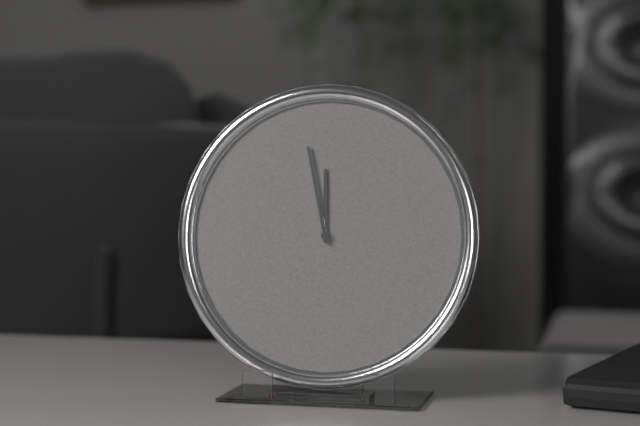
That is 11.58
